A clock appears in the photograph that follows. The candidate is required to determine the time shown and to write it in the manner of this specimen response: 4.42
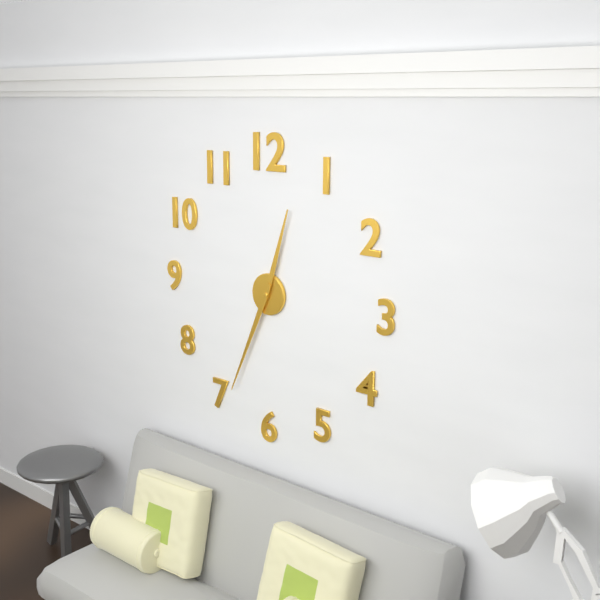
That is 12.34
